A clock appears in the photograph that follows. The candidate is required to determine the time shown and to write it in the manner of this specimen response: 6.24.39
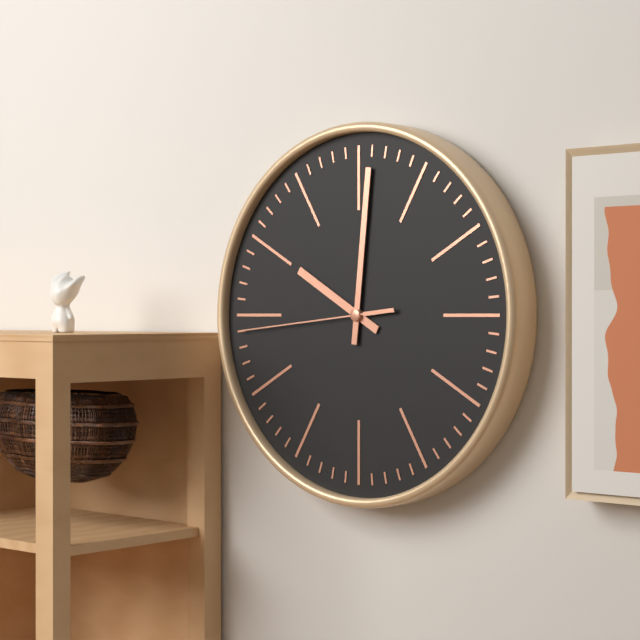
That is 10.01.44
